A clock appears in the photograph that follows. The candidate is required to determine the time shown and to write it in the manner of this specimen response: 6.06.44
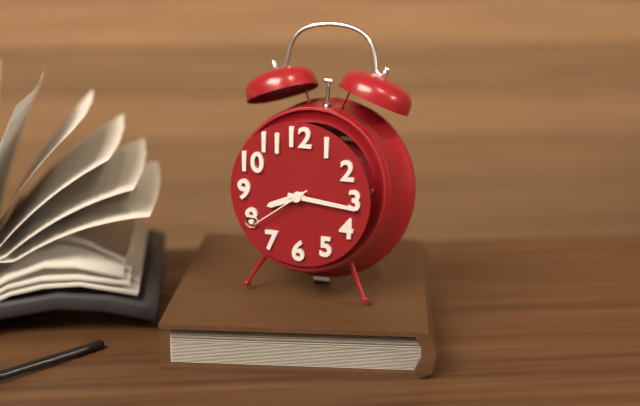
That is 8.16.39
